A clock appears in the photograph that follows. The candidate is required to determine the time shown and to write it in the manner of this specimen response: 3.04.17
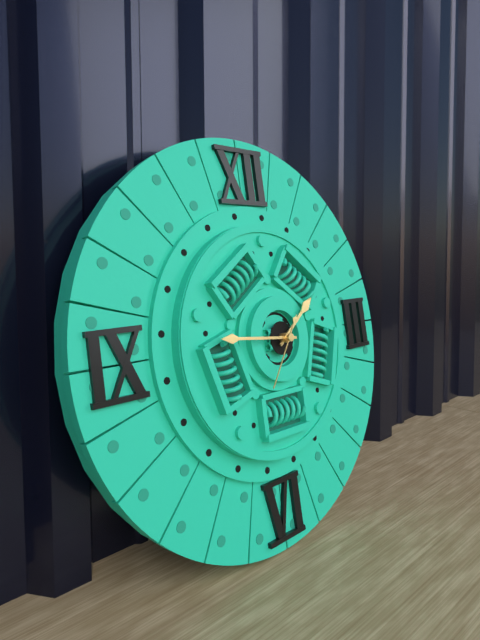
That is 1.46.36
